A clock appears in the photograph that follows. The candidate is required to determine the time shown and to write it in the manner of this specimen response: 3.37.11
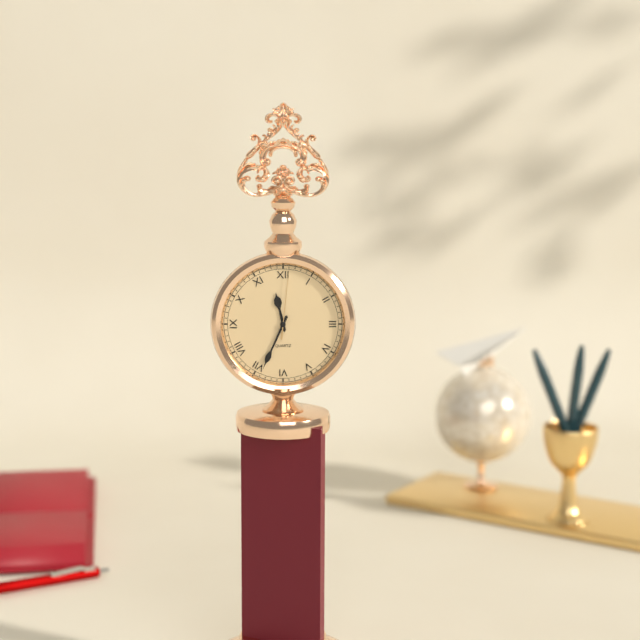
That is 11.34.01
